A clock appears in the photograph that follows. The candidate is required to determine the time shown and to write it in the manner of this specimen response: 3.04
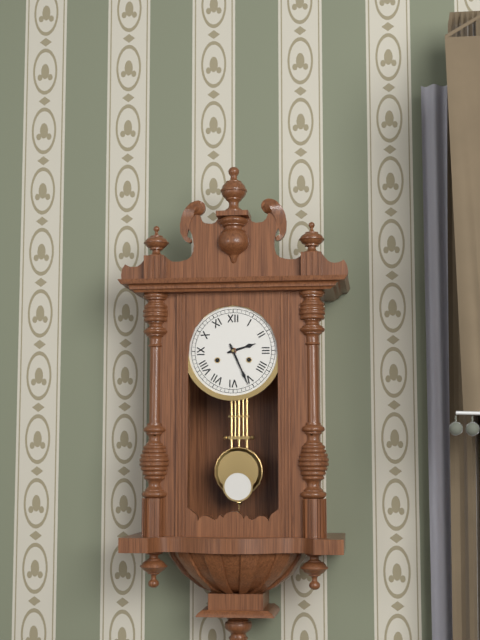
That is 2.26
